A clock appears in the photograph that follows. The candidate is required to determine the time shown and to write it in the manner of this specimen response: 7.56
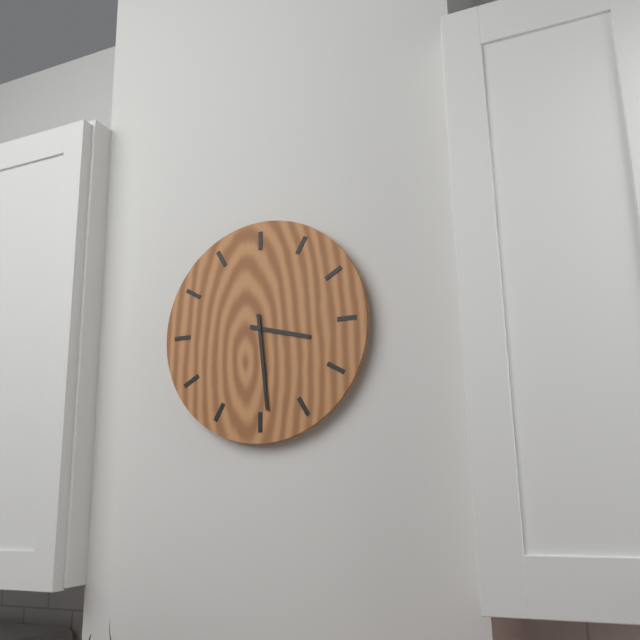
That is 3.29
